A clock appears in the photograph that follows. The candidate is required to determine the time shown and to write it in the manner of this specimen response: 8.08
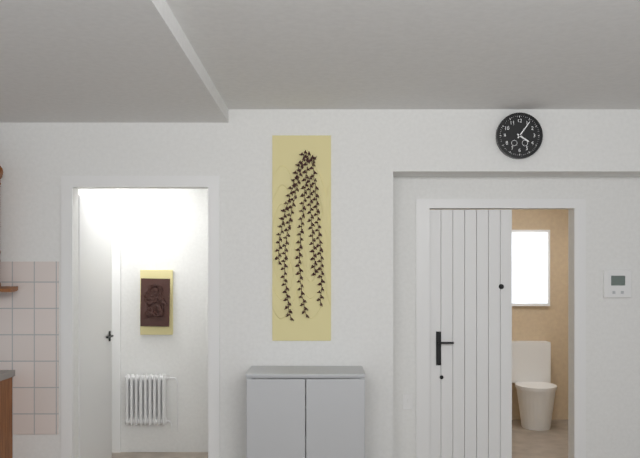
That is 4.06
